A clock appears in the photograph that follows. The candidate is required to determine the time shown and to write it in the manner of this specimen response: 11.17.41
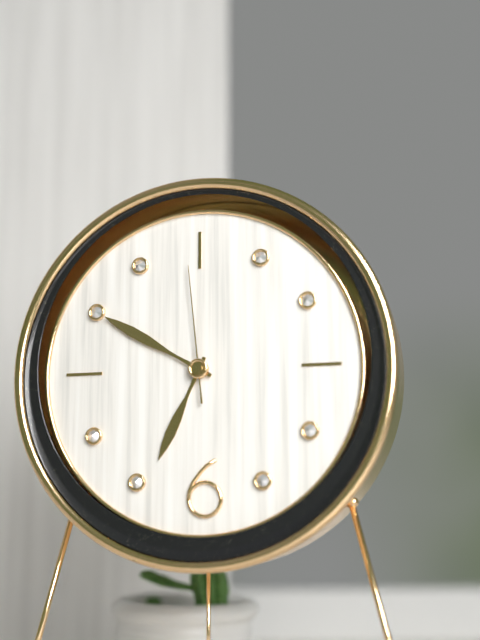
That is 6.50.59
